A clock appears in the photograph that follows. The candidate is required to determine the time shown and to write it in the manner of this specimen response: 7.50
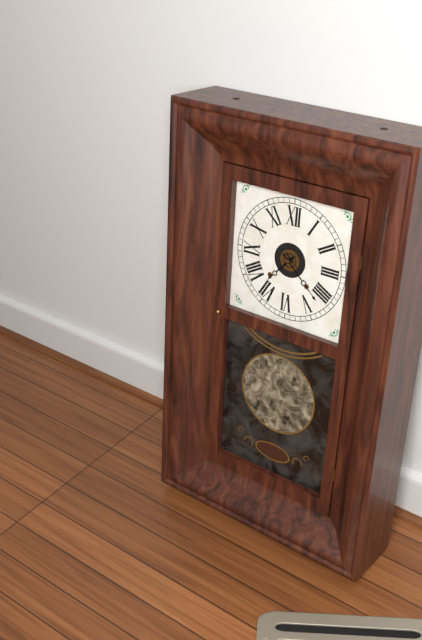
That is 7.22
